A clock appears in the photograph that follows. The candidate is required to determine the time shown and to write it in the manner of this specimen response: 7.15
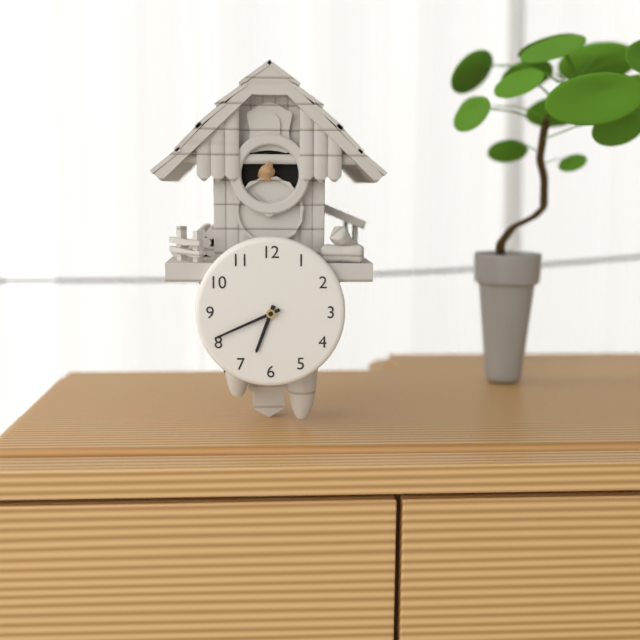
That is 6.41
